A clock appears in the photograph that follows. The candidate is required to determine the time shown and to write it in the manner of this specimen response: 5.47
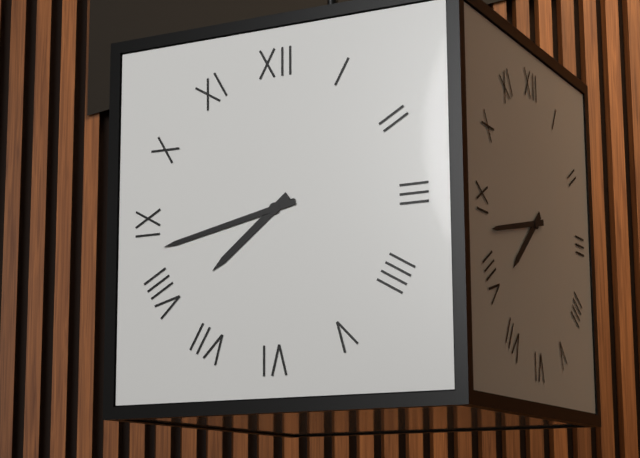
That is 7.43
